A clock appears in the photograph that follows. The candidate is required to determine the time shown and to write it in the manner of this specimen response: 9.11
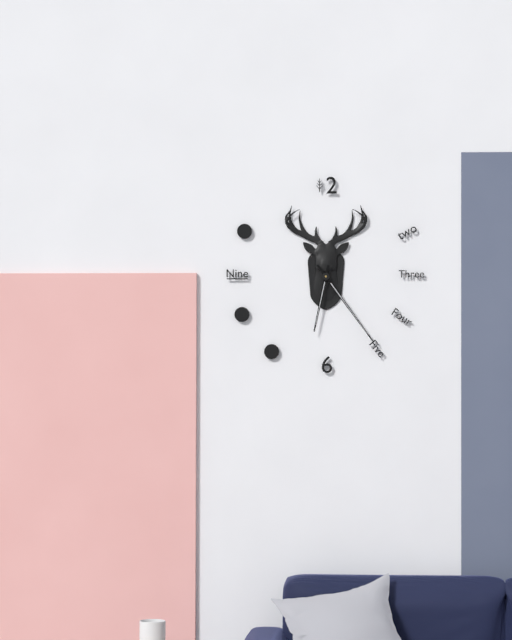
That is 6.24
